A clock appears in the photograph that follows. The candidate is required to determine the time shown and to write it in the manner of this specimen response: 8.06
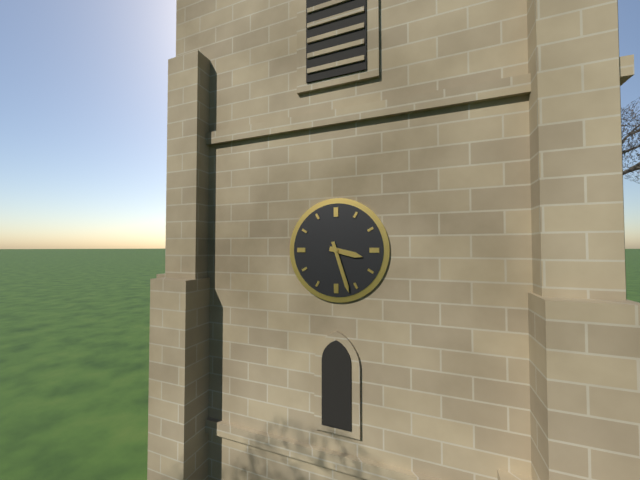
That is 3.27
